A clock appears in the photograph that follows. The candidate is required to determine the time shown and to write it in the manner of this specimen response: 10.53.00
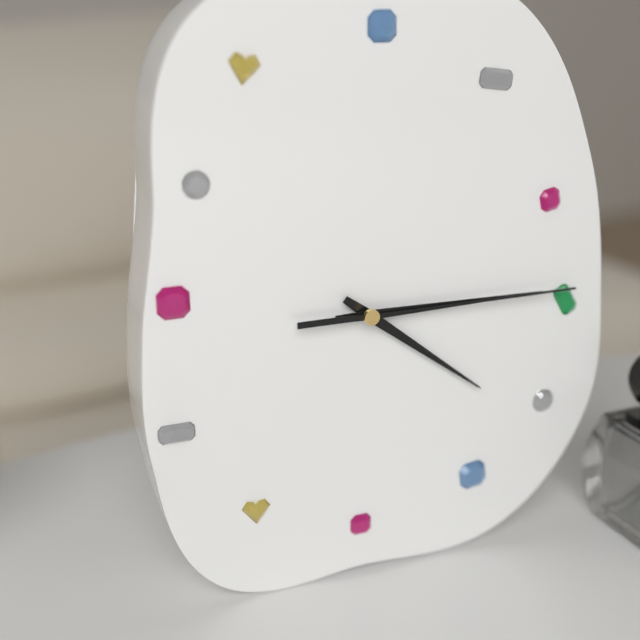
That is 4.15.15
